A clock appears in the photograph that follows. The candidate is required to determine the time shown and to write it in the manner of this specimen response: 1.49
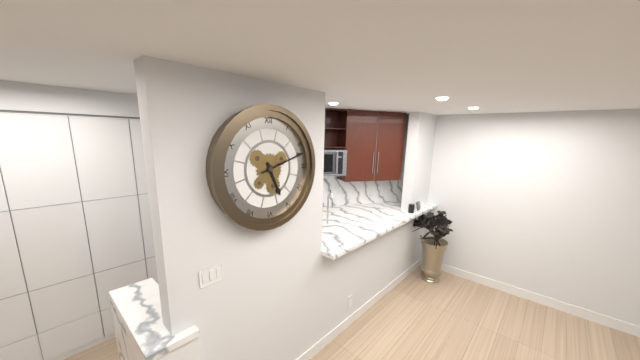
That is 5.12
